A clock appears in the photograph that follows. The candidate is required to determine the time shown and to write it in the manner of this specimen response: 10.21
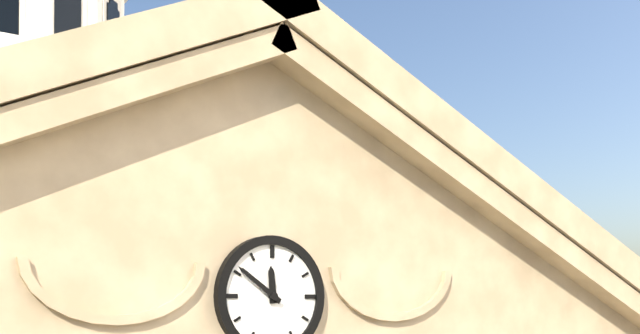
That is 11.51
